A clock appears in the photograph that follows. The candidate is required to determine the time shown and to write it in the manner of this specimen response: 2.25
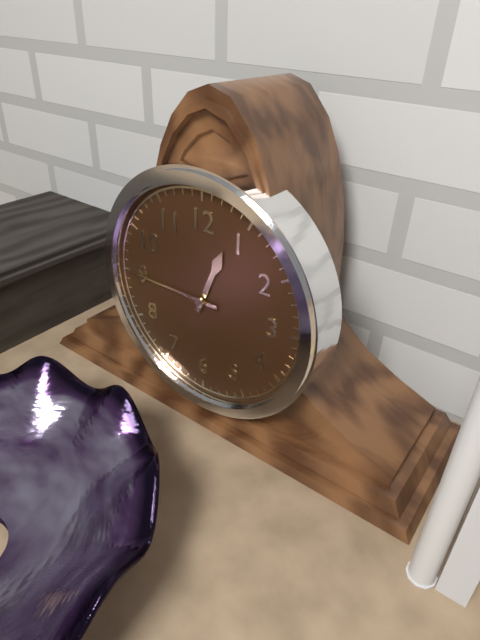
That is 12.45
